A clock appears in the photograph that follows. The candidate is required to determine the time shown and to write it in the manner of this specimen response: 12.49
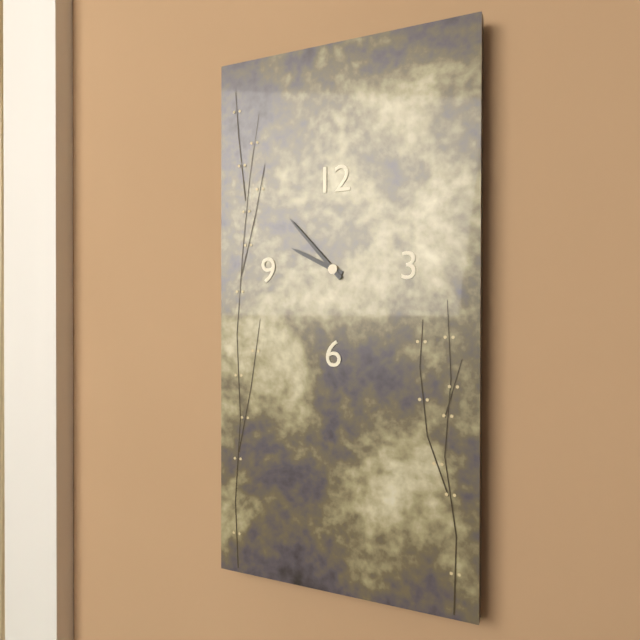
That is 9.53
